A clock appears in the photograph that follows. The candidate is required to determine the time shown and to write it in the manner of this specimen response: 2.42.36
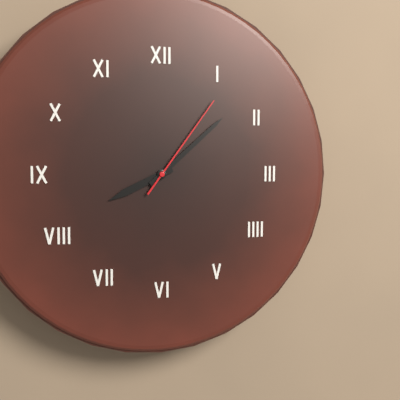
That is 8.08.06
